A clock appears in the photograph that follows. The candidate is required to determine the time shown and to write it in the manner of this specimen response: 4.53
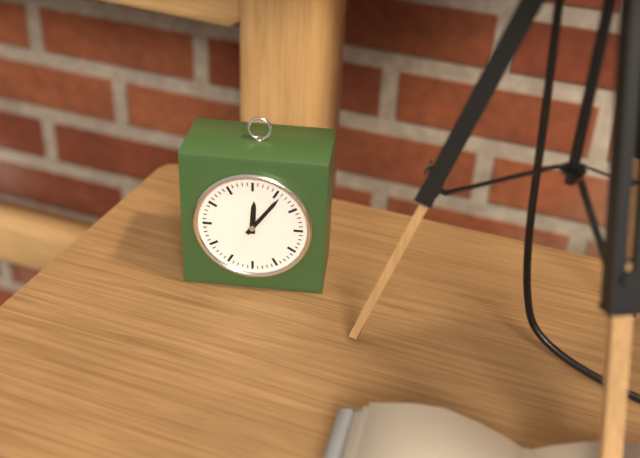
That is 12.06
